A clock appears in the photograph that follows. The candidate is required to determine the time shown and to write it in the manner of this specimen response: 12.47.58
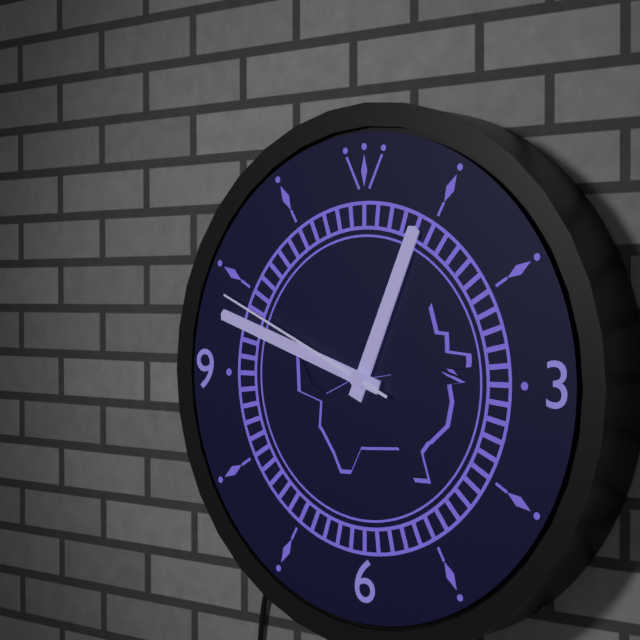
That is 12.48.49
